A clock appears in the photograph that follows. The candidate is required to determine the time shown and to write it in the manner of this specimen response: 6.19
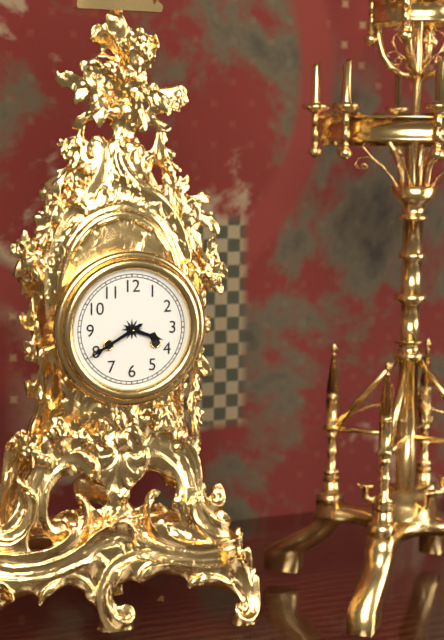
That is 3.40
